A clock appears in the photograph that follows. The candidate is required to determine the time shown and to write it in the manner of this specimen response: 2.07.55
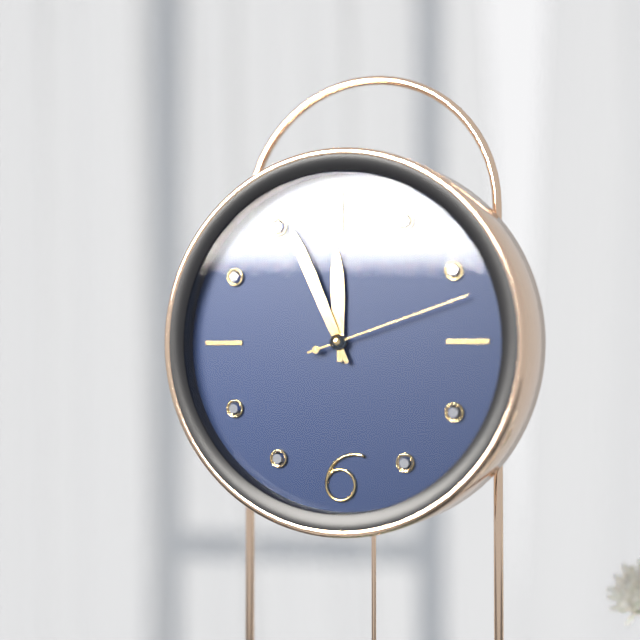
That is 11.56.12
